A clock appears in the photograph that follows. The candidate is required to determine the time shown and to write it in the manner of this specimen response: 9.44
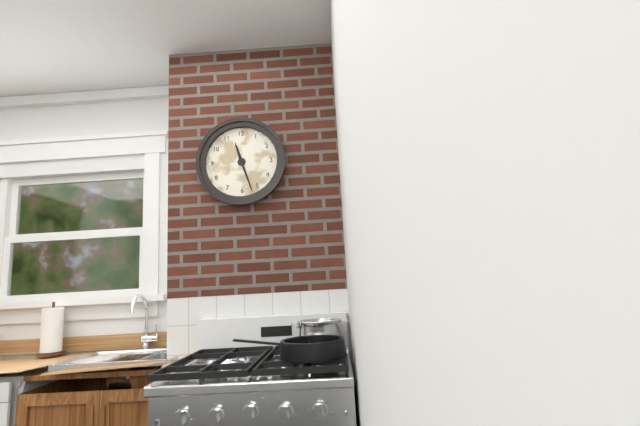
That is 11.27
